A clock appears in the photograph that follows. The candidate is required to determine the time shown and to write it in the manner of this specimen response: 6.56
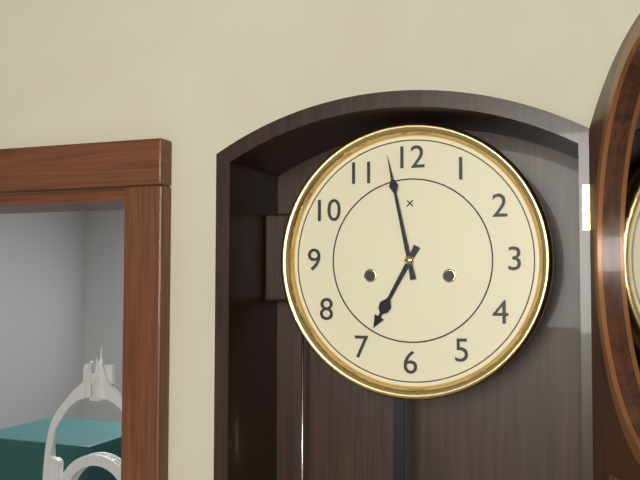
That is 6.58
